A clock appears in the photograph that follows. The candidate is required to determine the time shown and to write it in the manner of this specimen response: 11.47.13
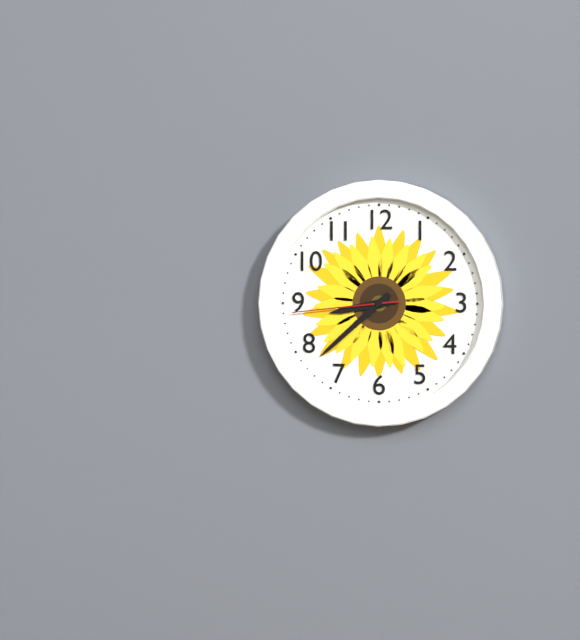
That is 8.38.44
